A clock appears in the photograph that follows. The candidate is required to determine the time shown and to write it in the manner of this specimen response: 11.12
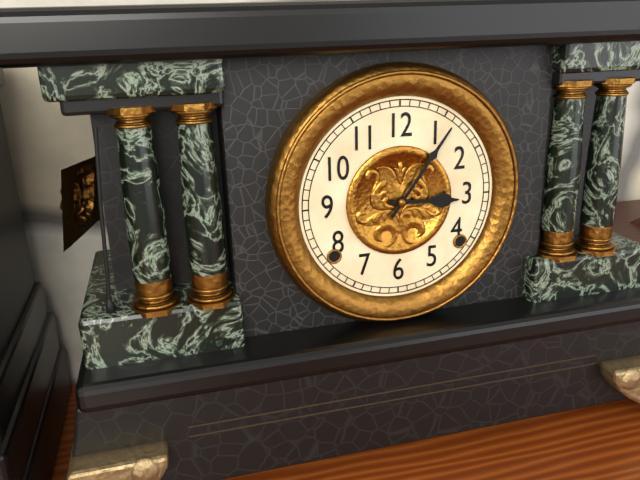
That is 3.06
